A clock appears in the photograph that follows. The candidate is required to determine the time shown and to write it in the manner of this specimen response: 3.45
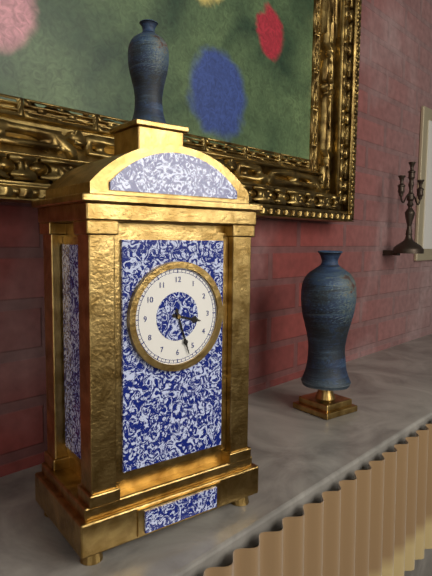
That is 3.27
